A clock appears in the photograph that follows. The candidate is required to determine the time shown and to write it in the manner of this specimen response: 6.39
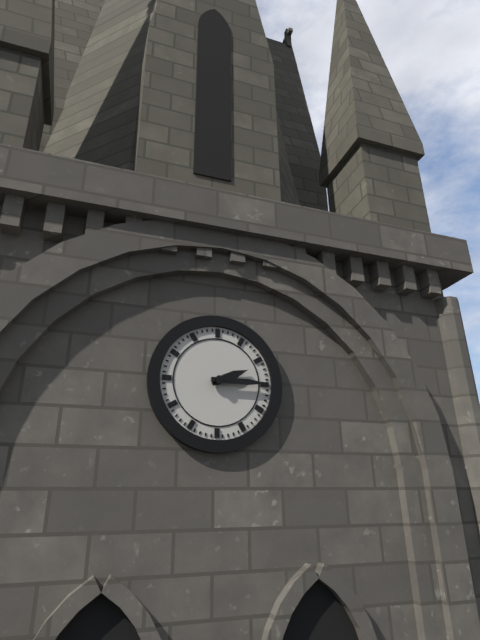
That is 2.15
